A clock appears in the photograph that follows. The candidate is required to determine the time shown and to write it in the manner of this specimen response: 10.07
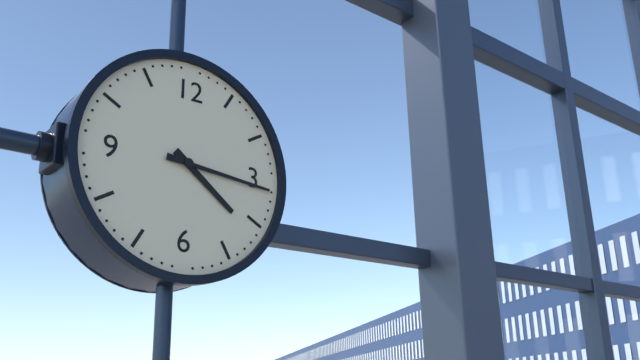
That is 4.16
